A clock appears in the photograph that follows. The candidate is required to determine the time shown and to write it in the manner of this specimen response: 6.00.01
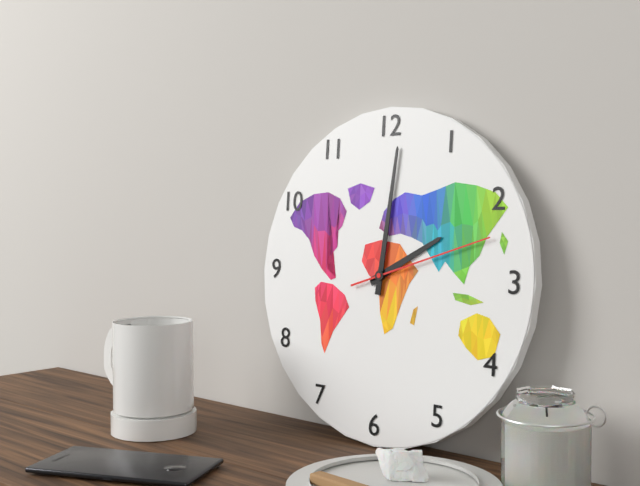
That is 2.01.12
